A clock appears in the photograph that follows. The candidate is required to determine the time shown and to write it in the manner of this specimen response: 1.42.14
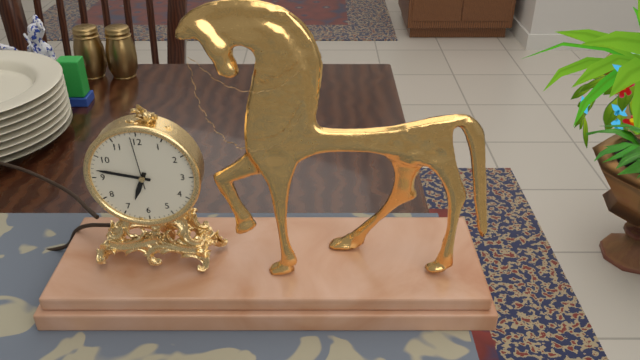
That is 6.47.59
